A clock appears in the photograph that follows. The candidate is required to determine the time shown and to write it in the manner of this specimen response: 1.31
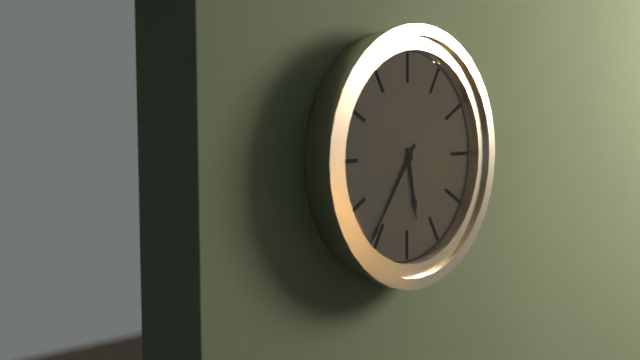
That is 5.36
